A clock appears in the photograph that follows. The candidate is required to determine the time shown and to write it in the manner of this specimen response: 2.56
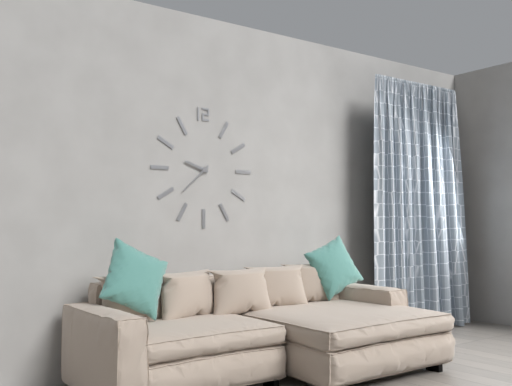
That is 9.38
